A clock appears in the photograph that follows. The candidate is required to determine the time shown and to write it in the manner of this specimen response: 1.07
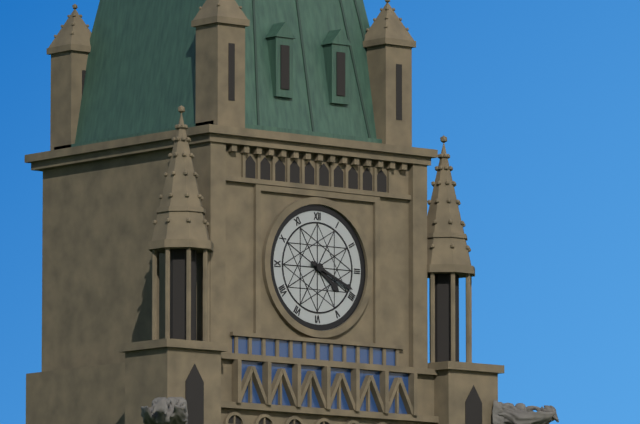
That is 4.19
